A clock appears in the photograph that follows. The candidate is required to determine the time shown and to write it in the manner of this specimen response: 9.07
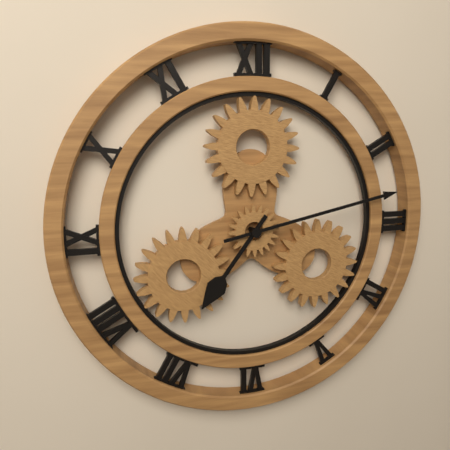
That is 7.13
